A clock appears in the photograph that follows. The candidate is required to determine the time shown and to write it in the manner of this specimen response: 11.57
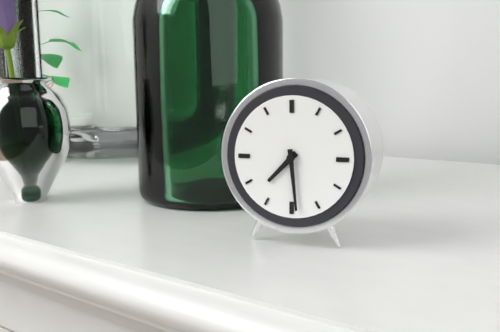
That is 7.29
